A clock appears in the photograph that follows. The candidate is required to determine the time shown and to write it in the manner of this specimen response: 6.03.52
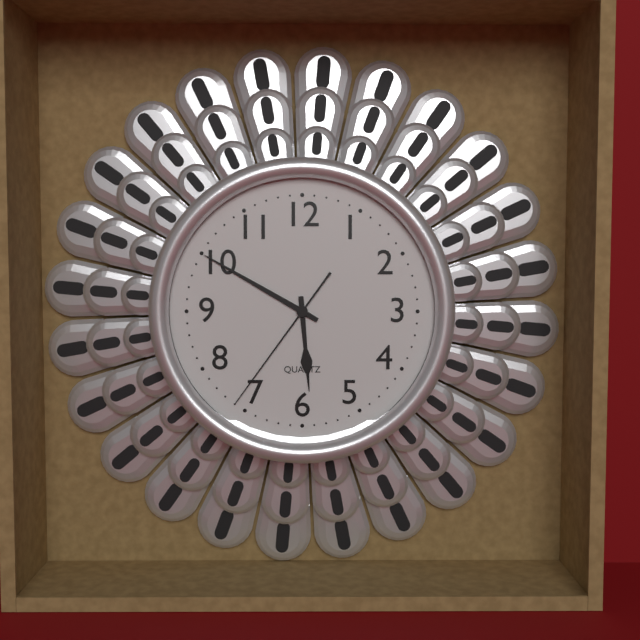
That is 5.50.36
